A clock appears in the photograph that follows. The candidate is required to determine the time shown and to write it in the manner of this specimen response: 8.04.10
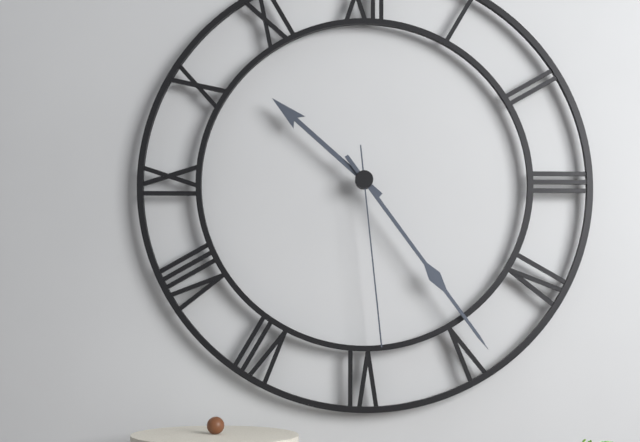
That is 10.24.29
